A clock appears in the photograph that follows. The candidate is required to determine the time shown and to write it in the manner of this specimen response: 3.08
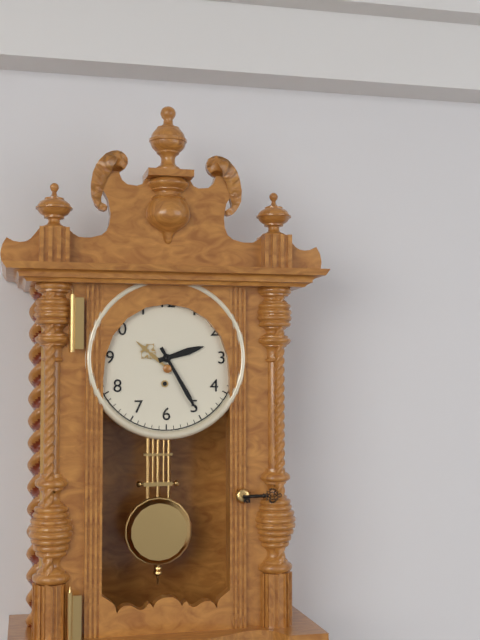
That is 2.25
